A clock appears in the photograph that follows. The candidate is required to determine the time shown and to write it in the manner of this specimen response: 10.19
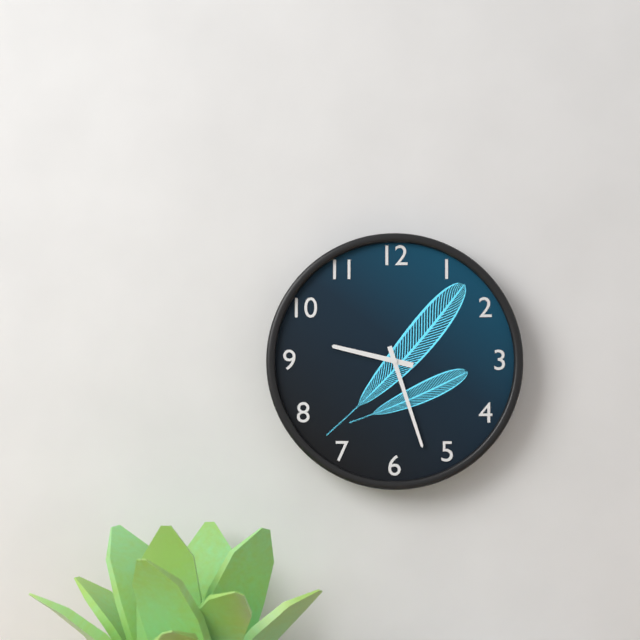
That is 9.27
